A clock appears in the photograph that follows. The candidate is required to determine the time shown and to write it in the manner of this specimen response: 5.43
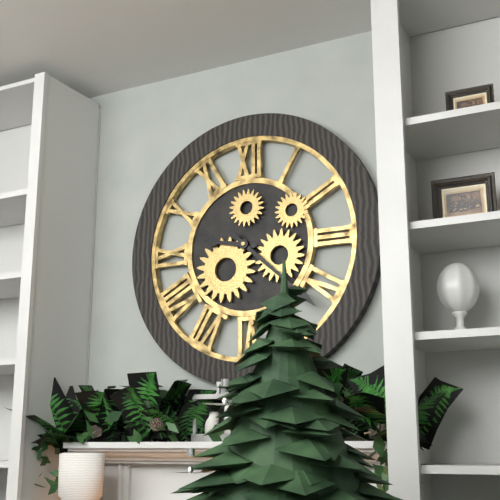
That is 9.22
